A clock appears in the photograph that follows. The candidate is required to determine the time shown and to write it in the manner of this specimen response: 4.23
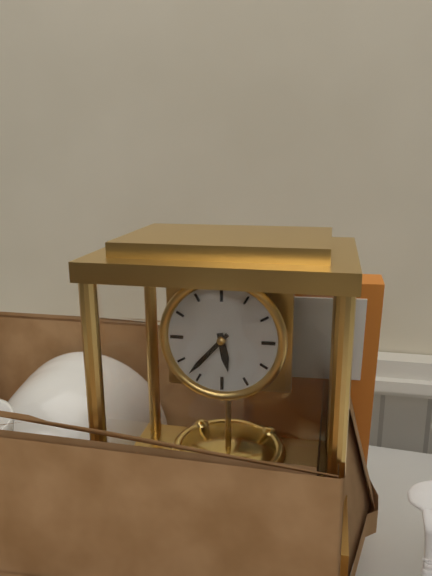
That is 5.37
